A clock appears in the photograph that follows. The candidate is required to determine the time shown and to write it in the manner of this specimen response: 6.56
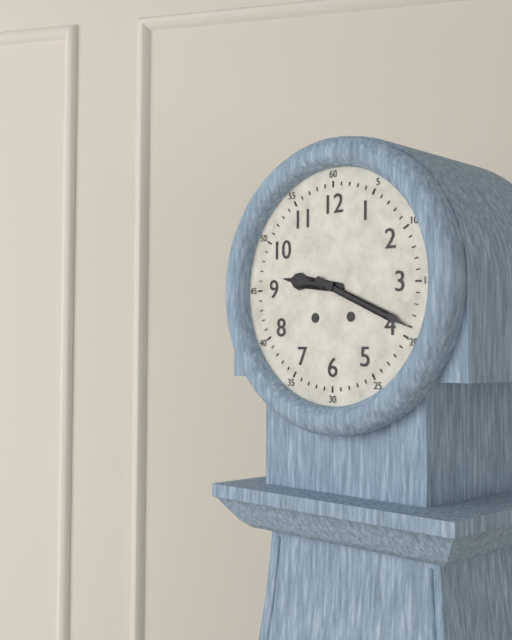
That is 9.19
